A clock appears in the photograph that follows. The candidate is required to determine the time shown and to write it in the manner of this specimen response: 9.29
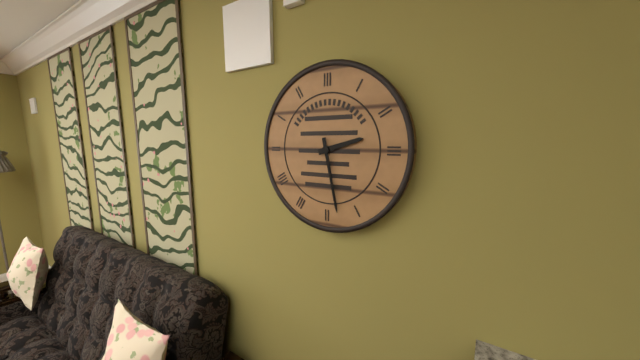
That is 2.28
